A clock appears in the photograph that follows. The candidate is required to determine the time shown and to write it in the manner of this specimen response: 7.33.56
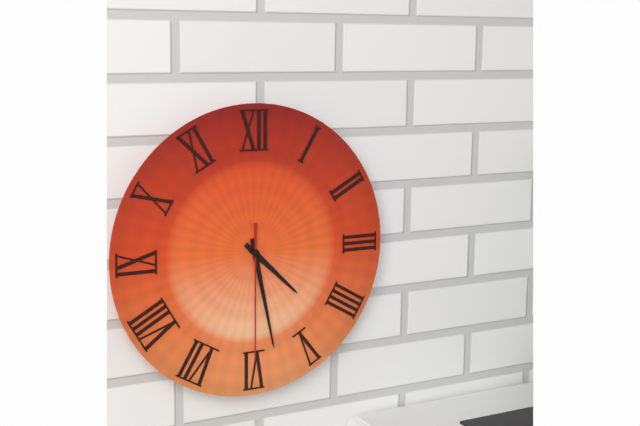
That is 4.28.30
